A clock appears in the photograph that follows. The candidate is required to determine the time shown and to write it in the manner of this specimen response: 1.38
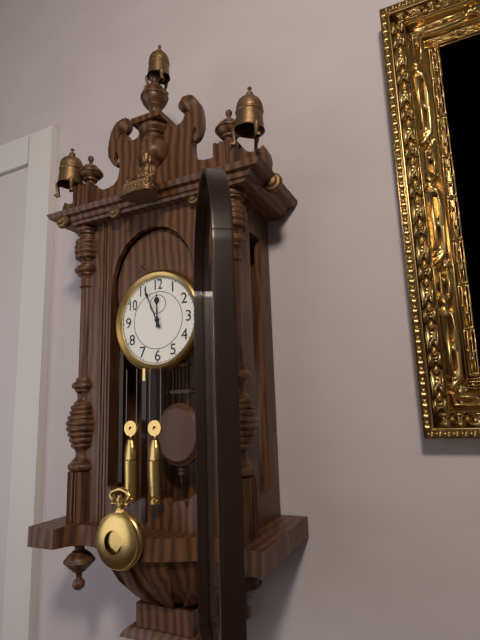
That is 11.56
